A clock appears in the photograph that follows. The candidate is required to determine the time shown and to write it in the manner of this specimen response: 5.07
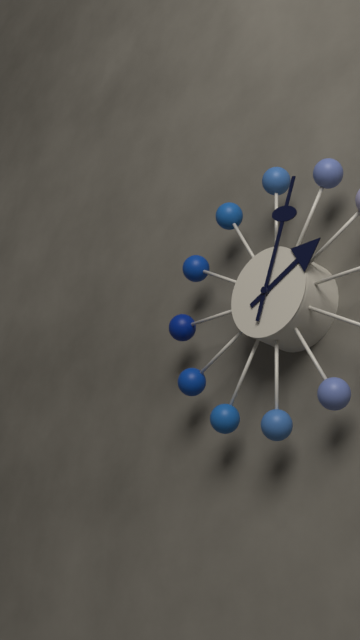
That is 2.03
